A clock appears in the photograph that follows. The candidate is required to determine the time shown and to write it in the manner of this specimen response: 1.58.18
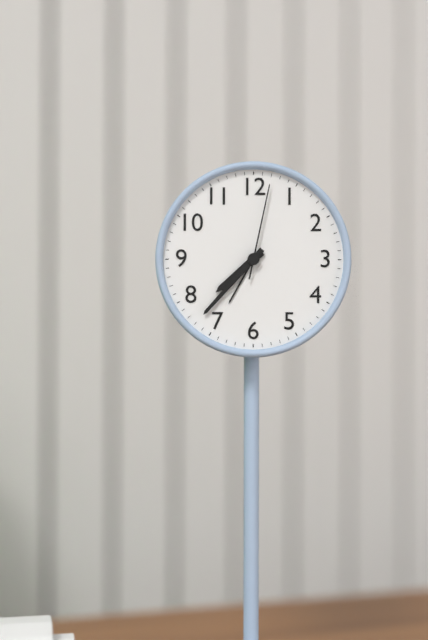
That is 7.37.02
